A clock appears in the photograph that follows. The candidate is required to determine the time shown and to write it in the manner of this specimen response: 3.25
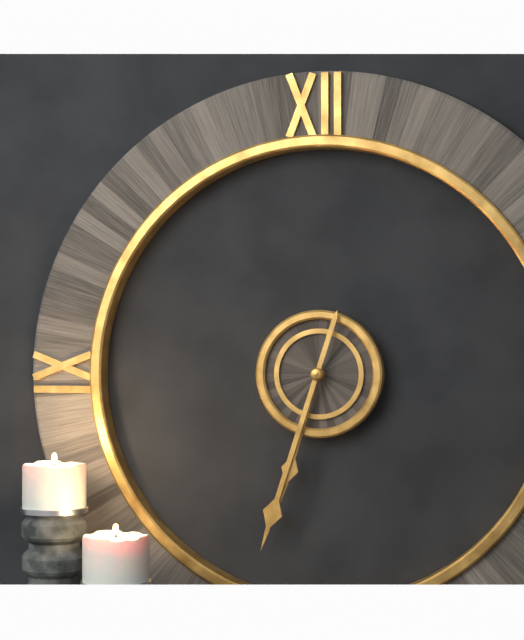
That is 6.33
